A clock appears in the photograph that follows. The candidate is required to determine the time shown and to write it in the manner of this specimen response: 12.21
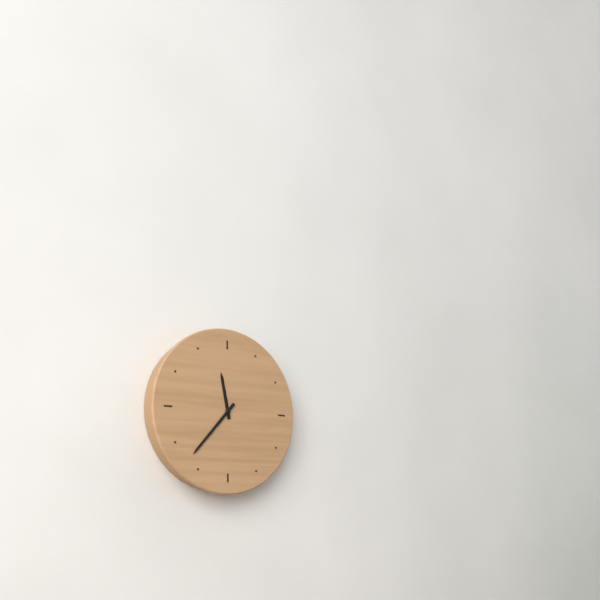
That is 11.37
